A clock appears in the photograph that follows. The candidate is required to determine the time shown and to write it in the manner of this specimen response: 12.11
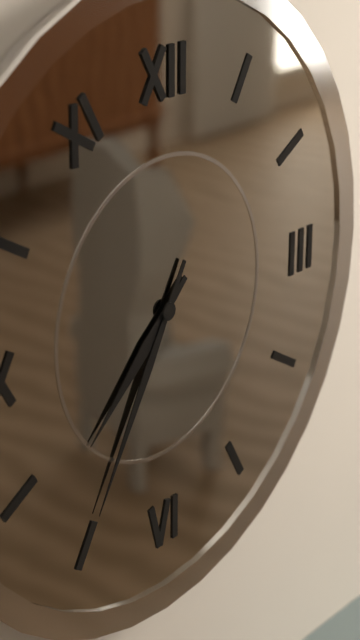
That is 7.35
